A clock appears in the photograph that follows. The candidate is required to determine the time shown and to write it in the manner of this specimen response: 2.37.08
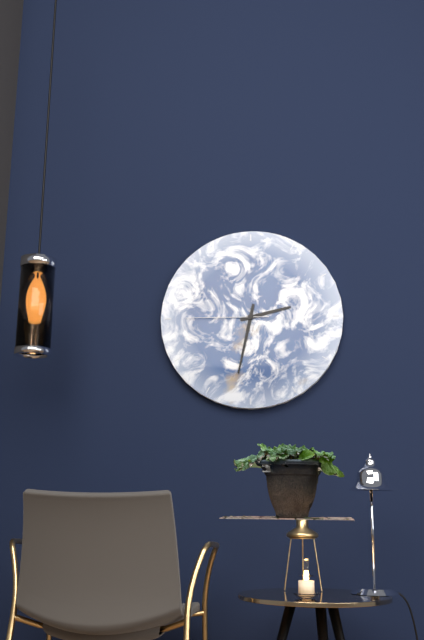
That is 2.32.45
